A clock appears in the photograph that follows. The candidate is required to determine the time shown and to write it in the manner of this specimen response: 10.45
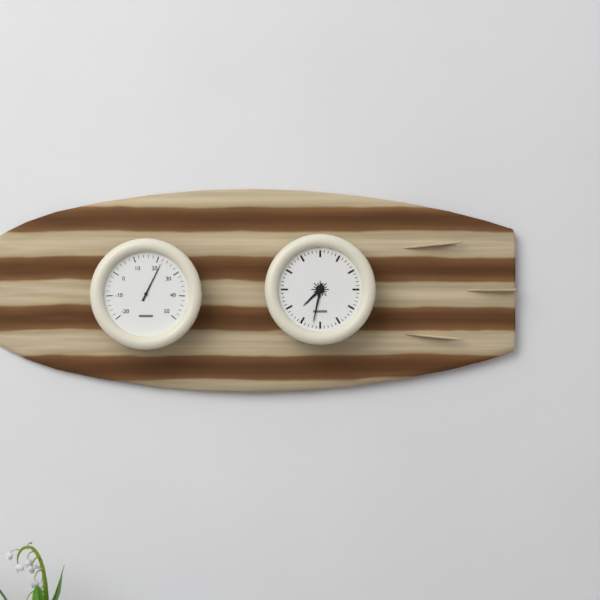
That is 7.32
